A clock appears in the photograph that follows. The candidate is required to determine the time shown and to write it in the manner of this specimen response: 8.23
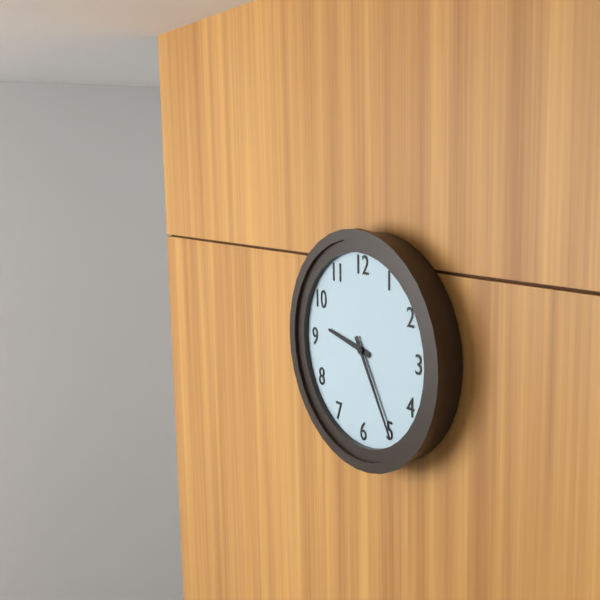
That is 9.25
